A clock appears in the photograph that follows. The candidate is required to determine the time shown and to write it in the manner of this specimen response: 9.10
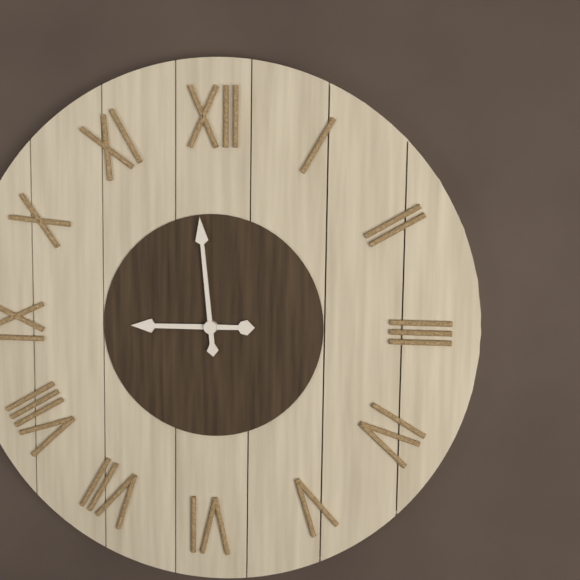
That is 8.59
